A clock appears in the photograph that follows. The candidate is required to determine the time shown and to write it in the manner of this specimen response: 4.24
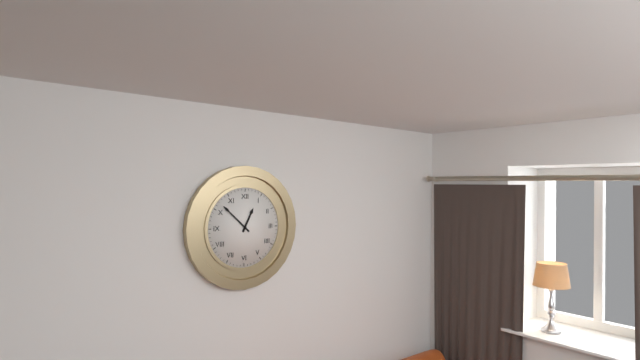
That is 12.52
